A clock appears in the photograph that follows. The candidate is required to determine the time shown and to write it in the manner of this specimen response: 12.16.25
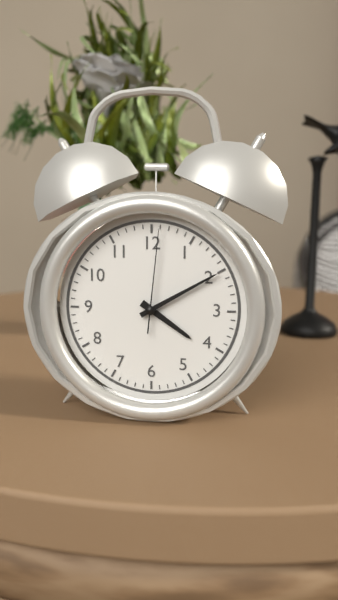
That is 4.10.01
